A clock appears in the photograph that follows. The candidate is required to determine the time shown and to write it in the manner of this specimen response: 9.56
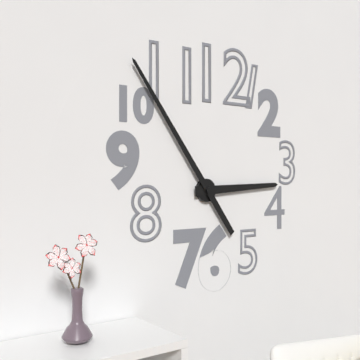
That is 2.54
